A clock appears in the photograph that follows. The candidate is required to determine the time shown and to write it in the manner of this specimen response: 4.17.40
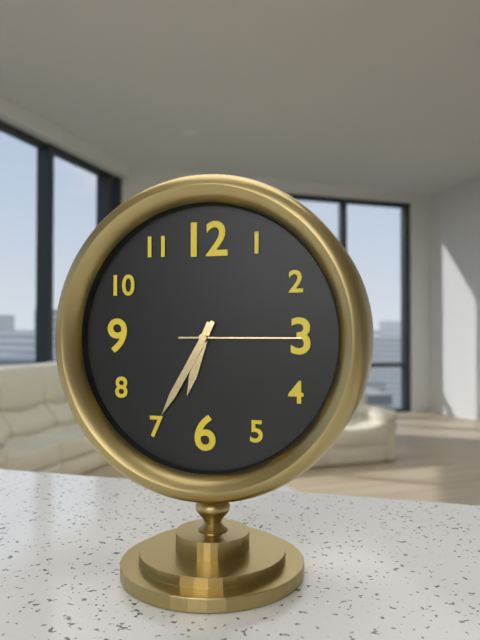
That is 6.35.15
